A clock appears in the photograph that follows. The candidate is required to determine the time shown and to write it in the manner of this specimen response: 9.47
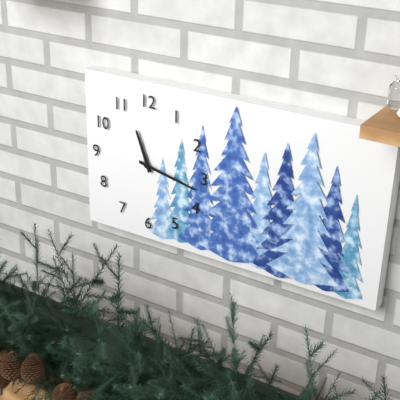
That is 11.17
